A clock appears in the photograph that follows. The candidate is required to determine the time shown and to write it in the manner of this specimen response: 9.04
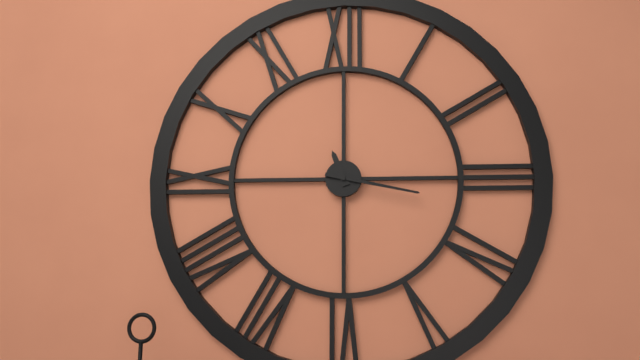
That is 11.17
